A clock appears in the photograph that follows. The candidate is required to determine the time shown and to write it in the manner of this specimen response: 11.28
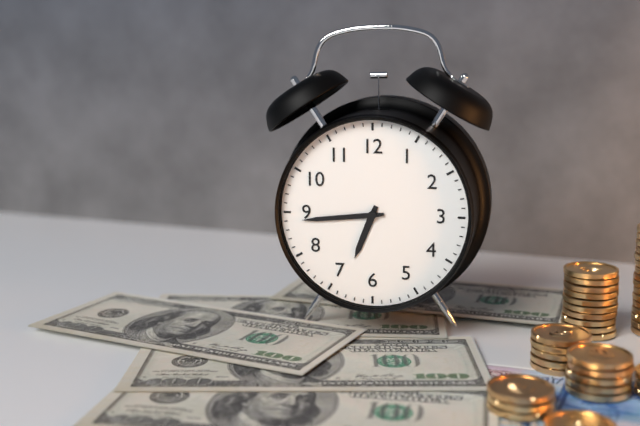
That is 6.44
